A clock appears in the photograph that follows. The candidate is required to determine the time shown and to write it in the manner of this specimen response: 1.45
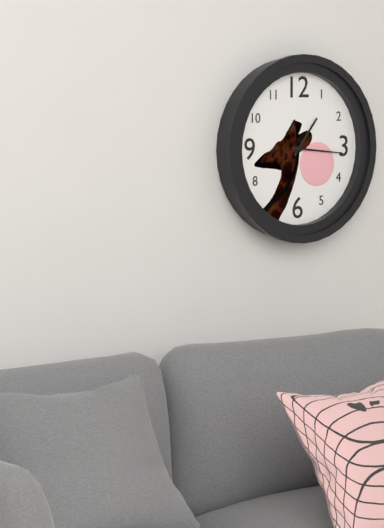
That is 1.16
